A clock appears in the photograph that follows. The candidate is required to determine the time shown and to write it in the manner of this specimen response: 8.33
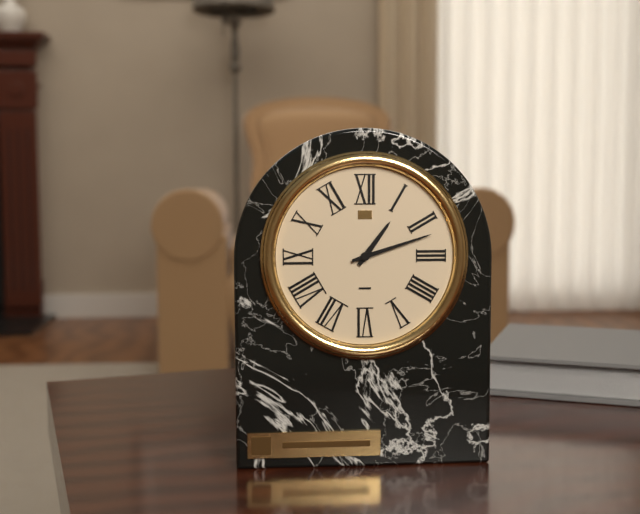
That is 1.12
